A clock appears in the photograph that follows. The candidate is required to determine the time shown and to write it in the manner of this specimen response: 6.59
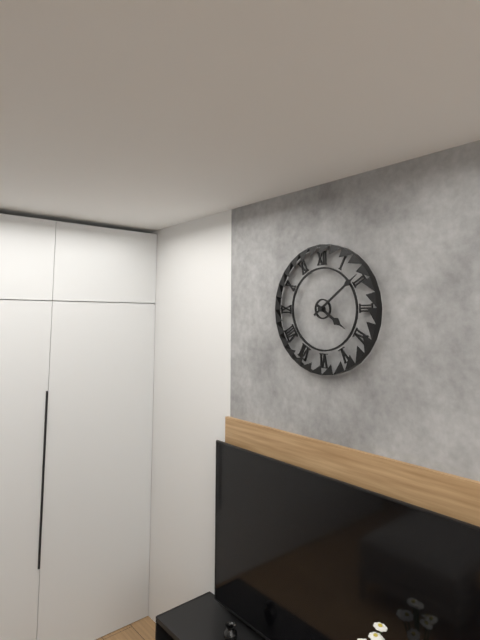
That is 4.09
